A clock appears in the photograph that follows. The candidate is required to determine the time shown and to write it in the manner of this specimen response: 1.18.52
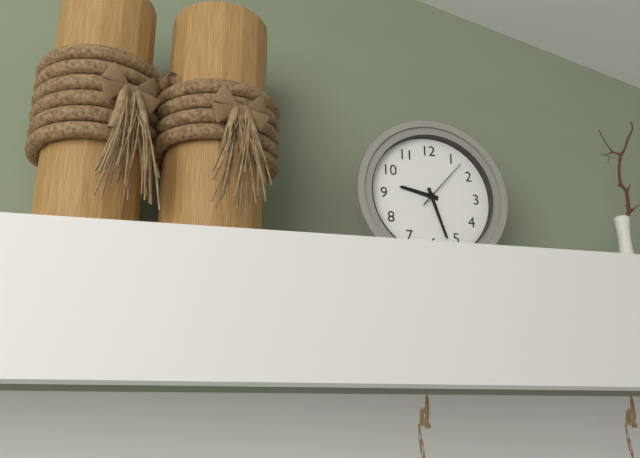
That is 9.27.07
